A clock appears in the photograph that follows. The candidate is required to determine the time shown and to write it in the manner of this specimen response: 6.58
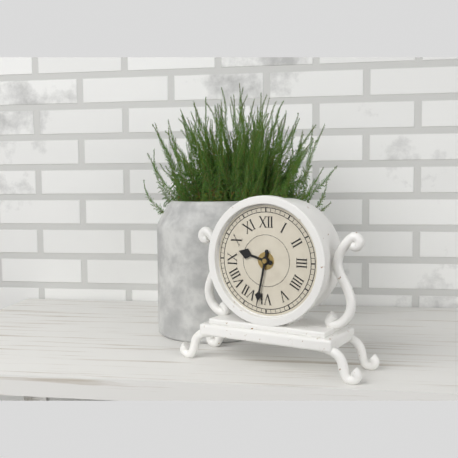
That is 9.32
